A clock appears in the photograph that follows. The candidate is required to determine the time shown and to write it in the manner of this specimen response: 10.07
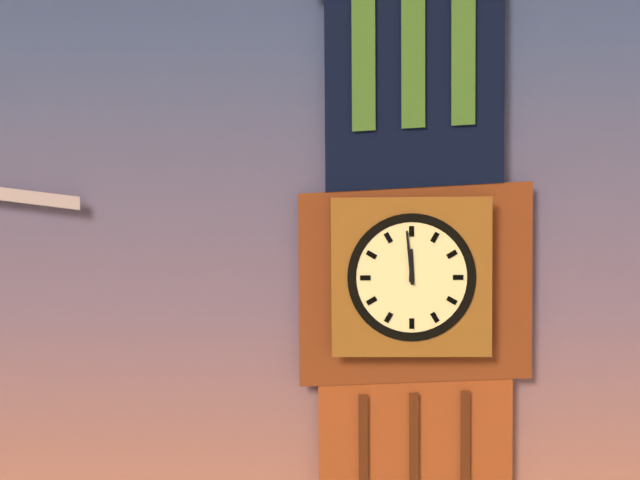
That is 11.59
